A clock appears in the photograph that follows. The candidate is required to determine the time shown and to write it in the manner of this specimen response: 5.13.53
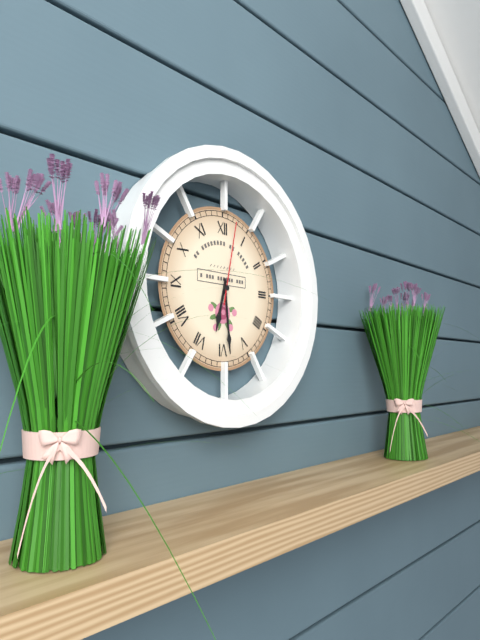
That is 6.29.02
